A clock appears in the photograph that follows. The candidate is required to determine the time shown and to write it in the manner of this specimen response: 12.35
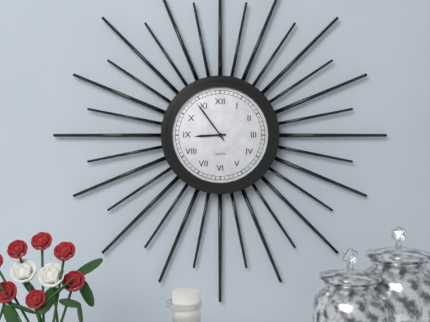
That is 8.54
